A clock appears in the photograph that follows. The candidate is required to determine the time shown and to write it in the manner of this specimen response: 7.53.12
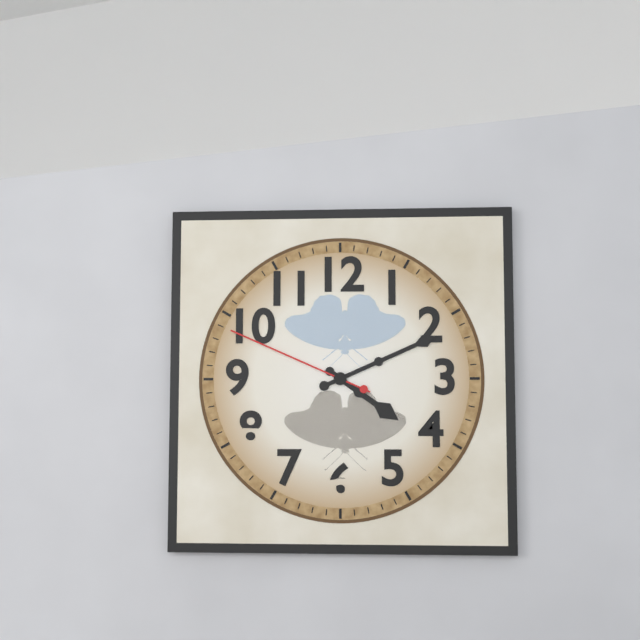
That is 4.11.49
